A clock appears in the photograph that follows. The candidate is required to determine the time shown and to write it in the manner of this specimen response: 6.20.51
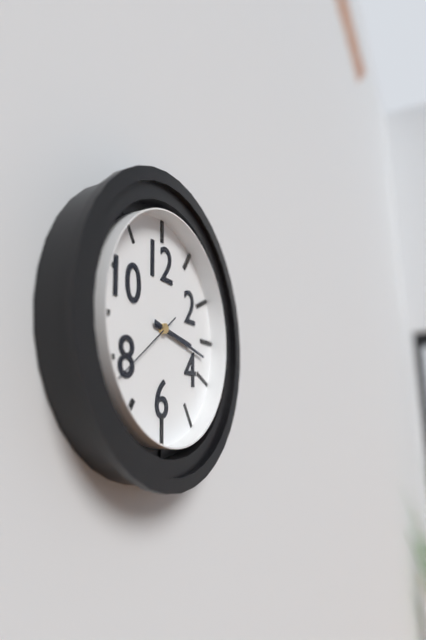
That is 3.17.39
